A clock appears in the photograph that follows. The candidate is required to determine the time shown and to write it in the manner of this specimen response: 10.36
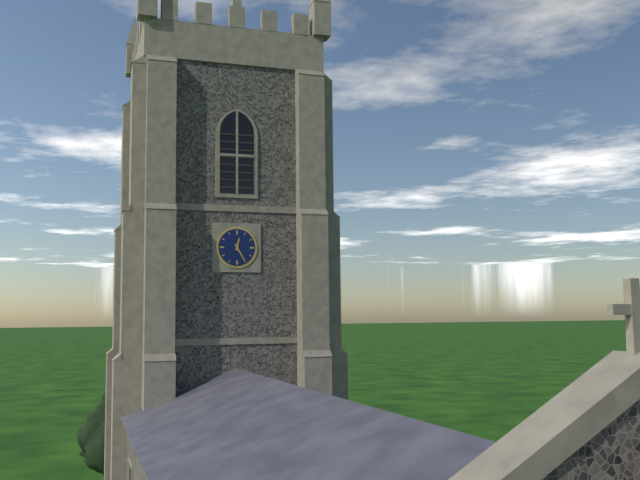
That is 12.25
